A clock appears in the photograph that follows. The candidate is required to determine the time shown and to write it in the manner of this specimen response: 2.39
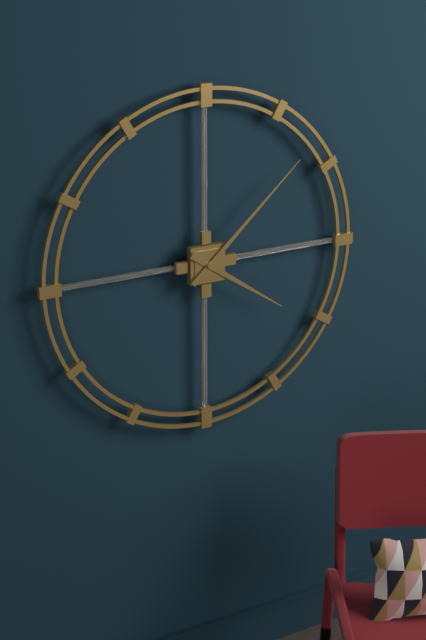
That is 4.08
